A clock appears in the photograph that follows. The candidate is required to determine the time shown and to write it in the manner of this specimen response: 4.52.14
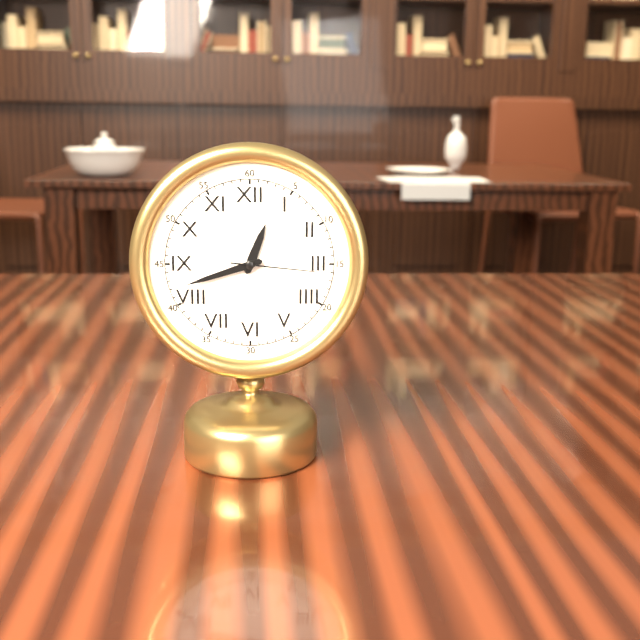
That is 12.42.16
